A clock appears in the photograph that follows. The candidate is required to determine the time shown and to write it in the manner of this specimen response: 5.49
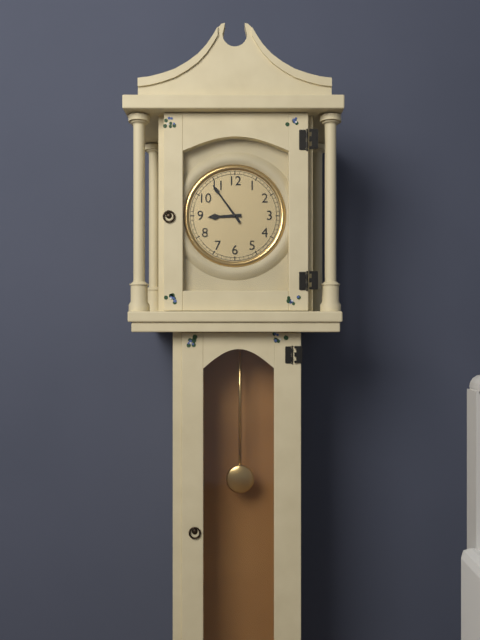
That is 8.54
